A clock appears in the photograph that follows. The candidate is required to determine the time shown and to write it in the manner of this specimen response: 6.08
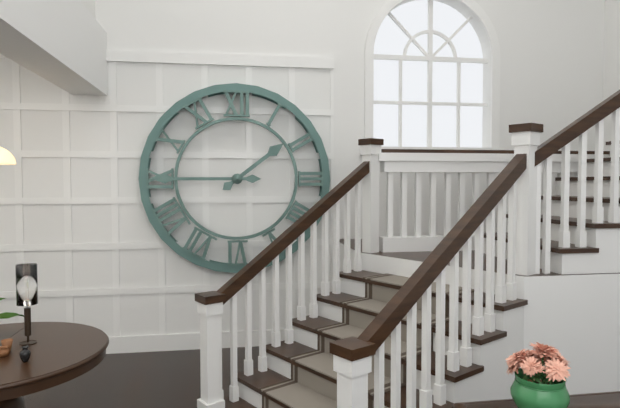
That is 1.45
